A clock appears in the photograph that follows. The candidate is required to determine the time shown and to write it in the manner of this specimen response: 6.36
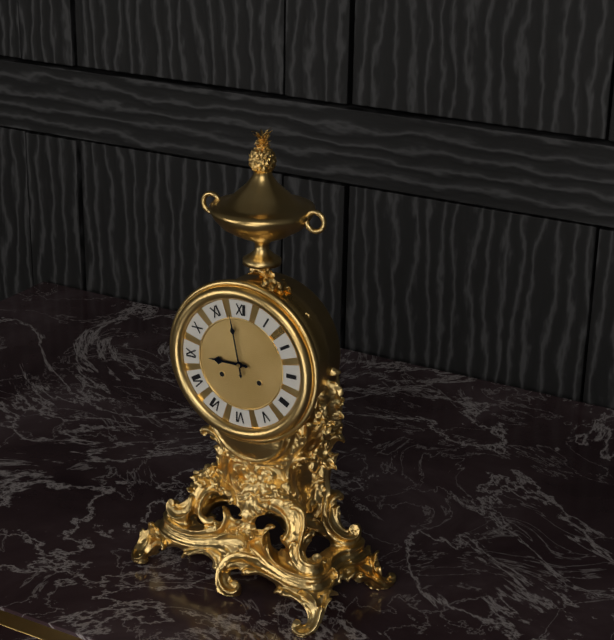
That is 8.58
